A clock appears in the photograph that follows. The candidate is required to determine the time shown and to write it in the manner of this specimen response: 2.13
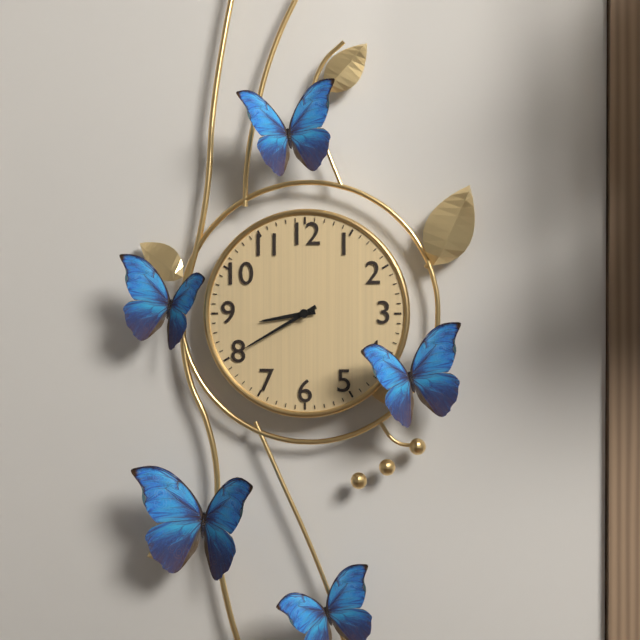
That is 8.40
